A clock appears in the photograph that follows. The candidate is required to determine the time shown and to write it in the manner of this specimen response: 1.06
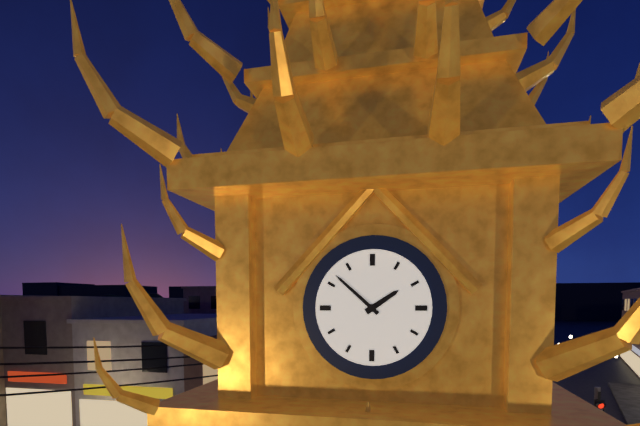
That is 1.52
